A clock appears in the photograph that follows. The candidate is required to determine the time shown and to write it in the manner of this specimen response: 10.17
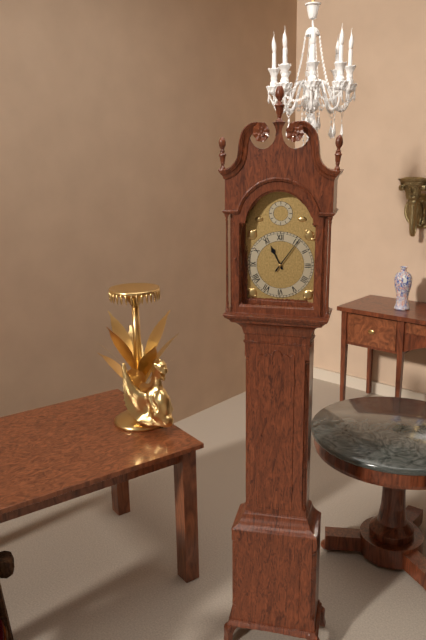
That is 11.06
